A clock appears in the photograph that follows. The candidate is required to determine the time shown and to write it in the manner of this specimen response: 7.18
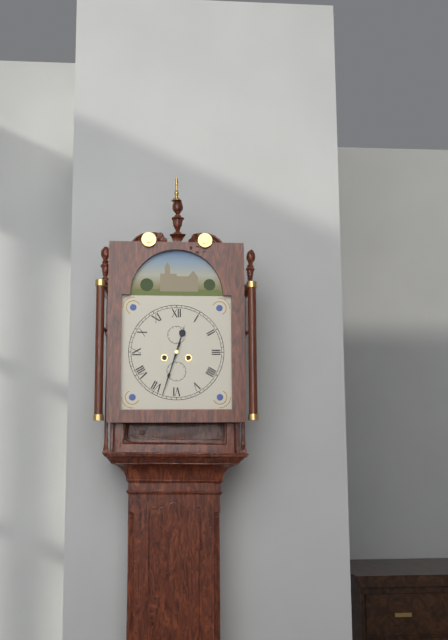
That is 12.33
